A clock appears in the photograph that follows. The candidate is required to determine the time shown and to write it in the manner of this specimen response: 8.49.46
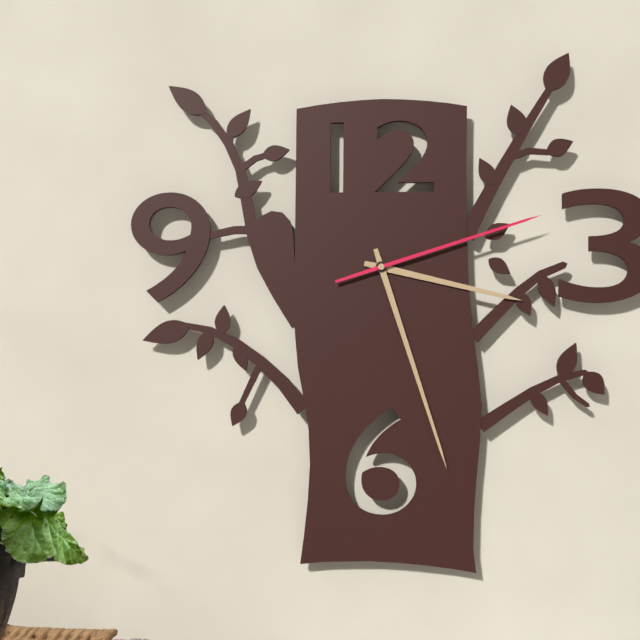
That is 3.27.12
